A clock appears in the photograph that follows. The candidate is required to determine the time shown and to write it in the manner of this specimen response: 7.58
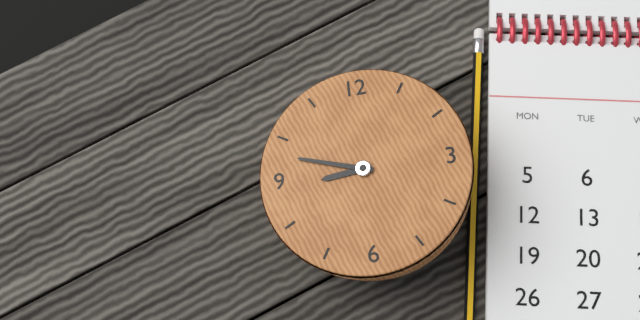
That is 8.48
